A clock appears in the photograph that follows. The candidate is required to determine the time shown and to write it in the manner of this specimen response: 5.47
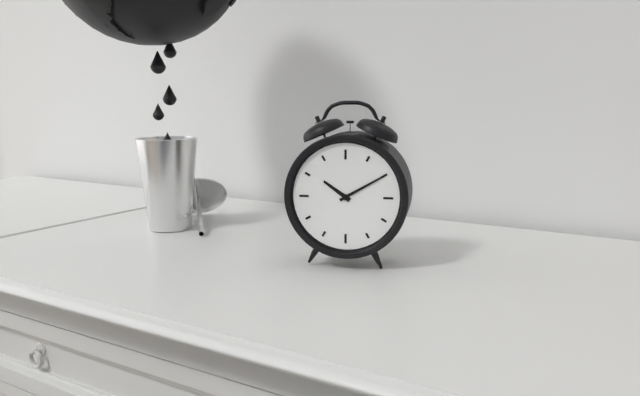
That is 10.10
